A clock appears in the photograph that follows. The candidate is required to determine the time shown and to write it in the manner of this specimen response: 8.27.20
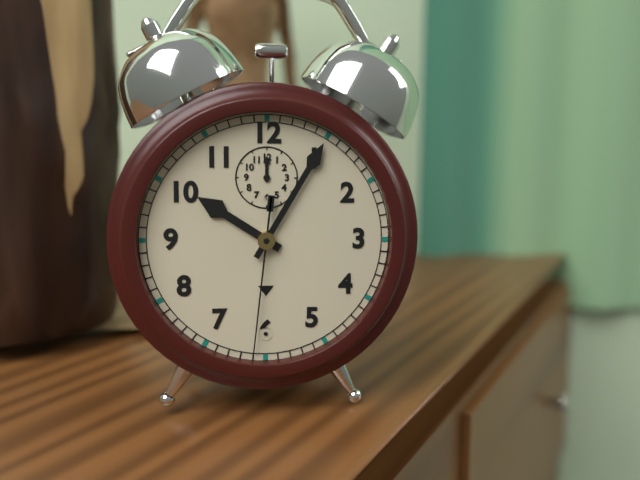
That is 10.05.31
